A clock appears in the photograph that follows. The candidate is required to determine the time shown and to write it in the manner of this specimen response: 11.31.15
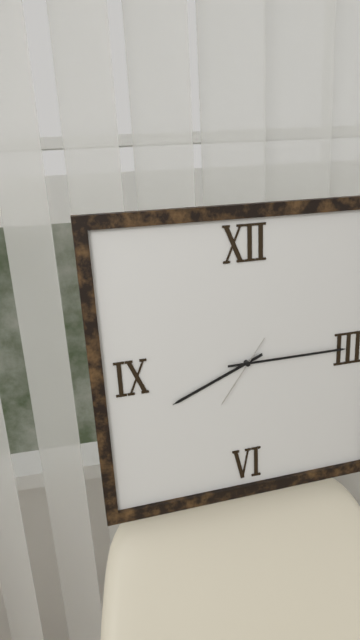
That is 8.15.36
